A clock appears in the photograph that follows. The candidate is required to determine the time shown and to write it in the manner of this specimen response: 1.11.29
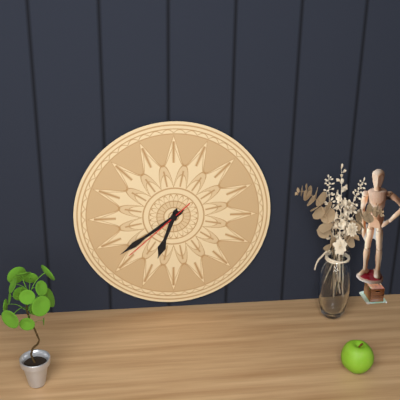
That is 6.39.38
